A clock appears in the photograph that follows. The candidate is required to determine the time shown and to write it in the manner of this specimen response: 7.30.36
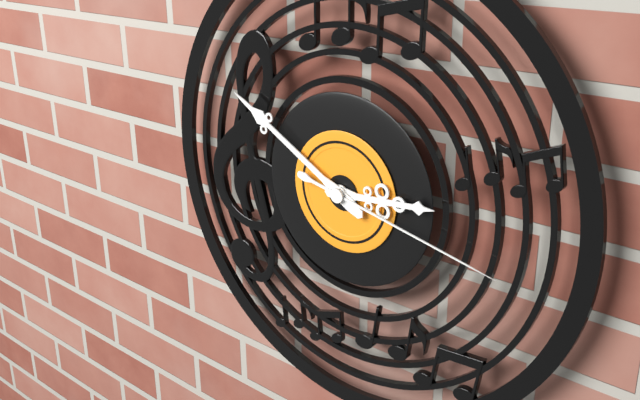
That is 2.50.17
